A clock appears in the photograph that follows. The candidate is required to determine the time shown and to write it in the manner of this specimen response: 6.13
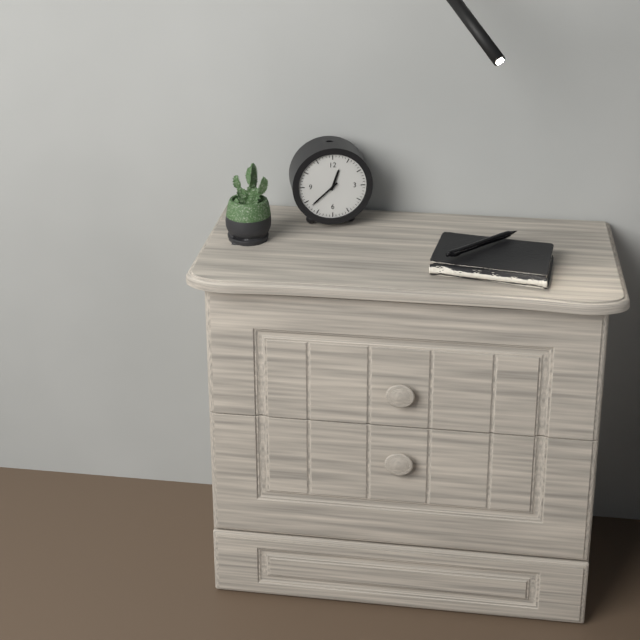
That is 12.38
